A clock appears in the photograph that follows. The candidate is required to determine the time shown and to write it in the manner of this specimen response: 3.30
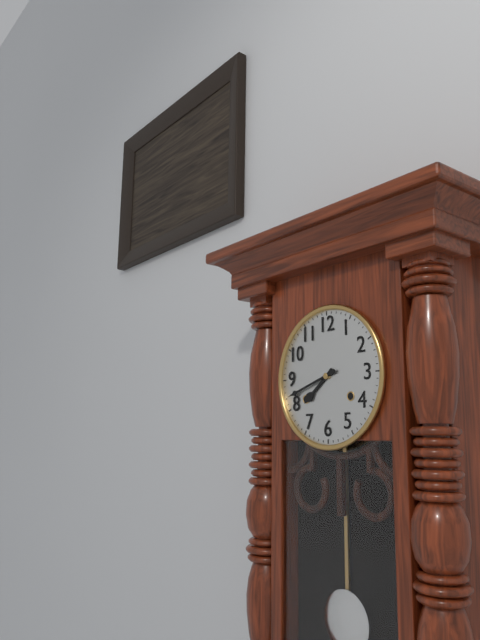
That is 7.42
